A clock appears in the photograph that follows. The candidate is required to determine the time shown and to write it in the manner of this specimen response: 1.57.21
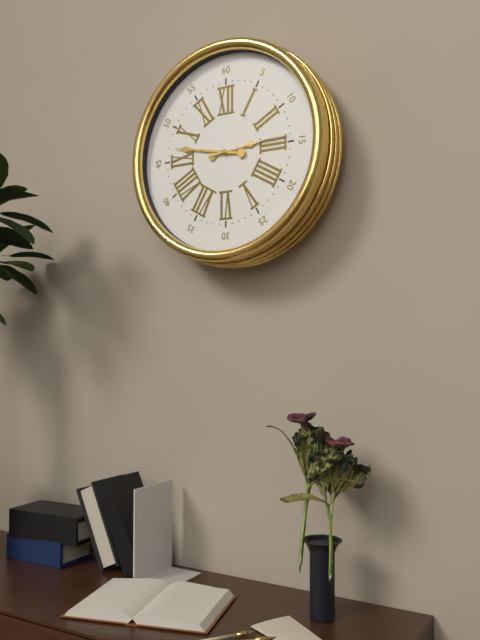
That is 2.47.14
